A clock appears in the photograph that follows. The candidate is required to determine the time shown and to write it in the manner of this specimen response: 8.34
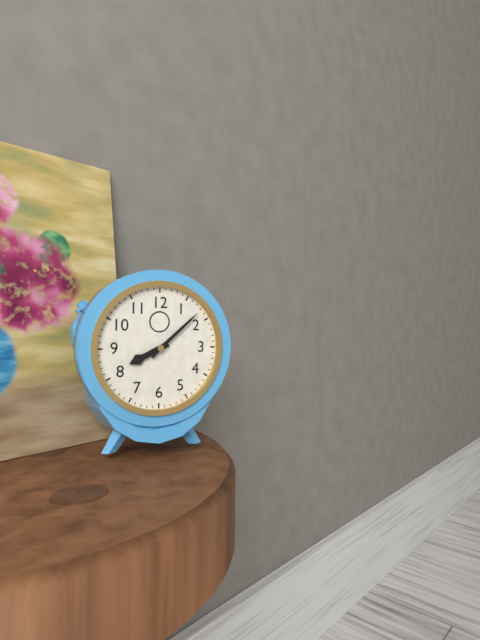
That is 8.08
